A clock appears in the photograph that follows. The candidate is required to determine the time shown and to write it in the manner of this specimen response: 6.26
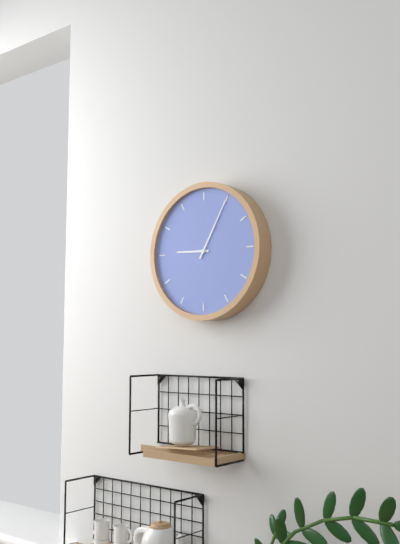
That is 9.05
